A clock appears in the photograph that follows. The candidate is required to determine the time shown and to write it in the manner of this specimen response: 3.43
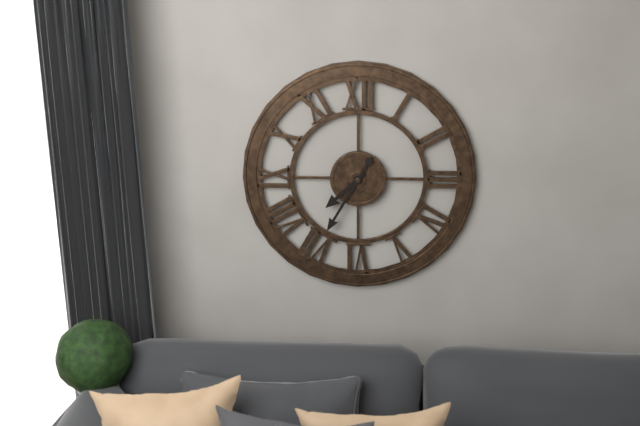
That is 7.35
